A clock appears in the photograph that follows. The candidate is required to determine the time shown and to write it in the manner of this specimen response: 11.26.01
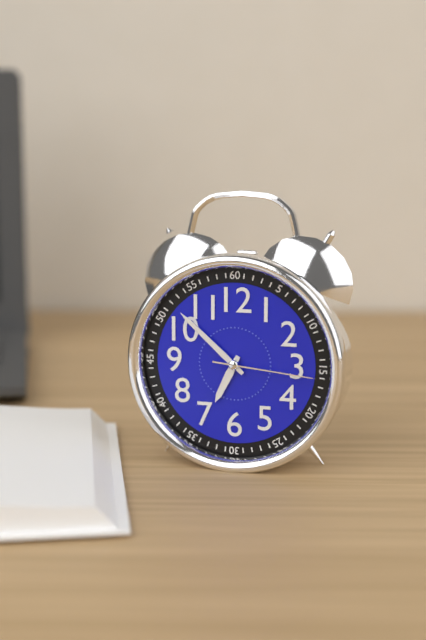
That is 6.52.16
